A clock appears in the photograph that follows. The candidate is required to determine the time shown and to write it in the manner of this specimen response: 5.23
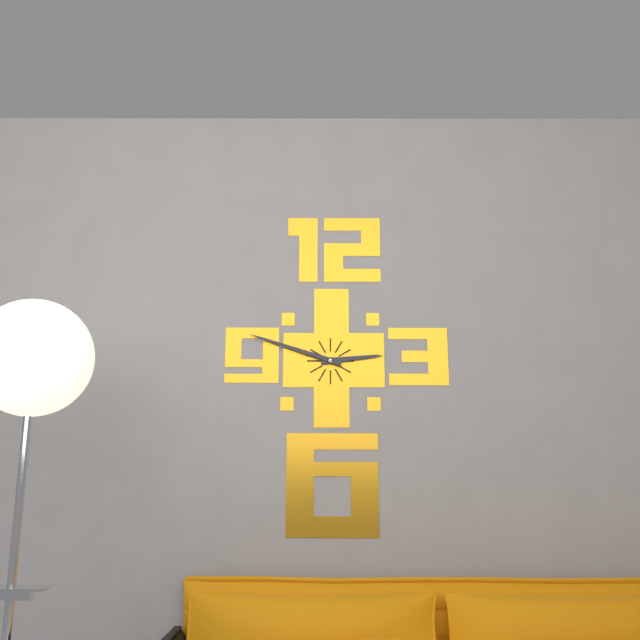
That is 2.48
